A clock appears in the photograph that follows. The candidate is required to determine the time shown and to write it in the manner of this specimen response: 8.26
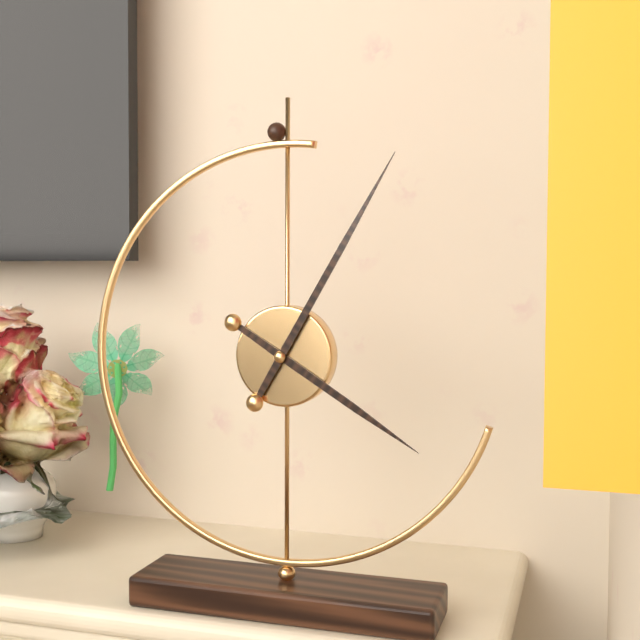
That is 4.05
